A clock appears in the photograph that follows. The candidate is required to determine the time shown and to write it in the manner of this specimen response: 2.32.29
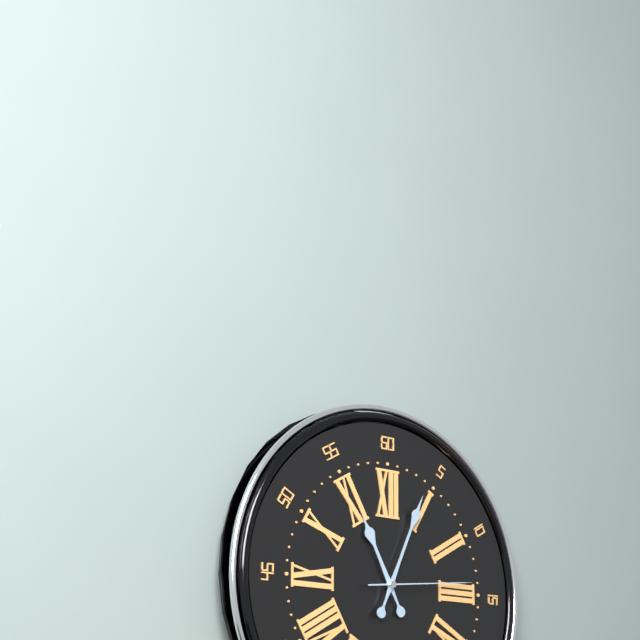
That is 11.04.14
